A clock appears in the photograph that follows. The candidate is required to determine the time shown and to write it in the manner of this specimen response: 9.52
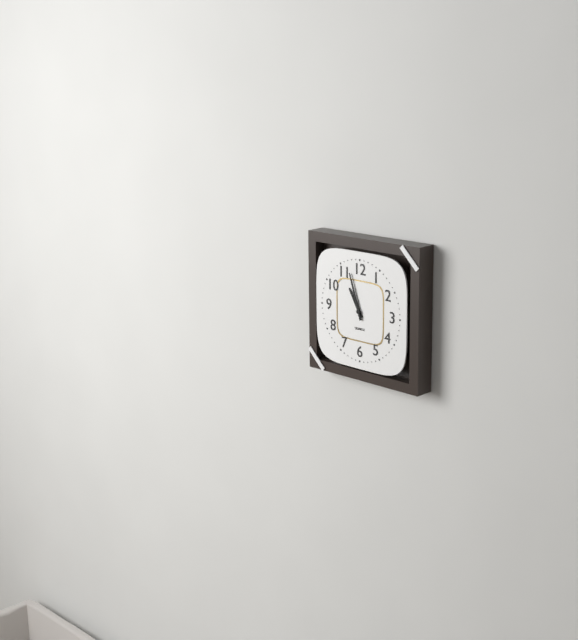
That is 10.57
